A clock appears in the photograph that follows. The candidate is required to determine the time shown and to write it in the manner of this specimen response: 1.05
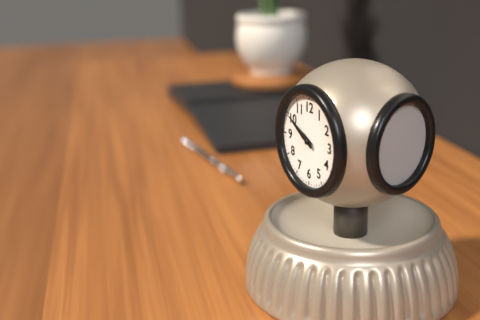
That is 9.50
